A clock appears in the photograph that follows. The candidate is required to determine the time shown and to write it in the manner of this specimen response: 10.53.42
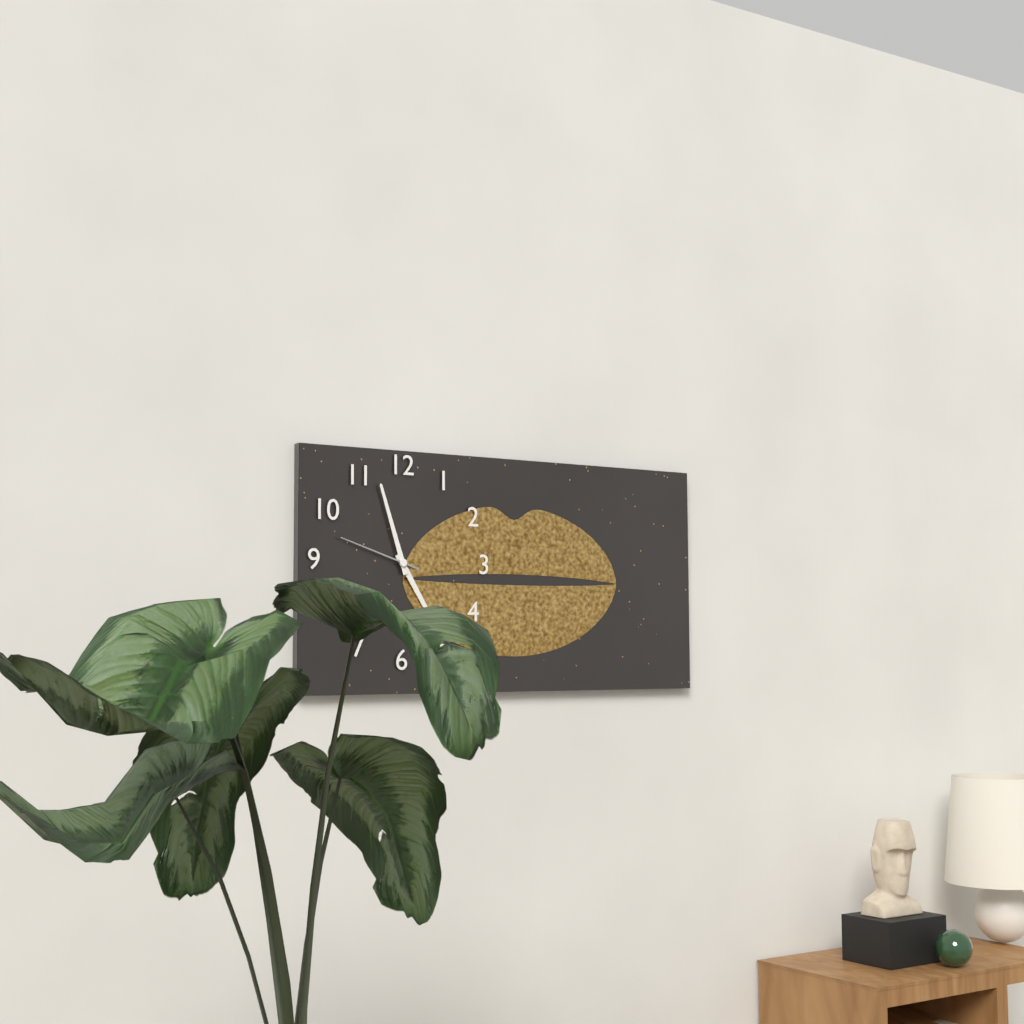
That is 4.57.48
